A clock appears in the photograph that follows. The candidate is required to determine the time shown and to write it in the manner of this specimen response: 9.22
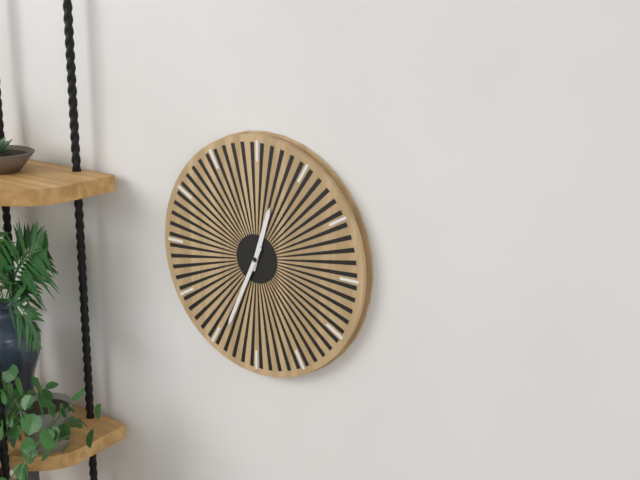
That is 12.34
